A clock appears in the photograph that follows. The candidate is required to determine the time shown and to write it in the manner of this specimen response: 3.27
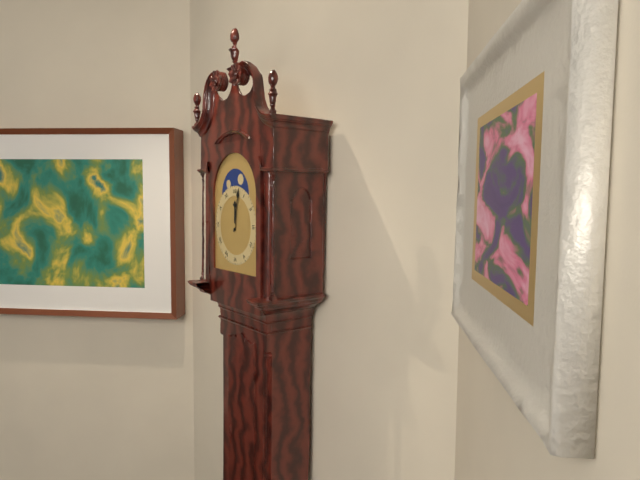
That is 12.02
